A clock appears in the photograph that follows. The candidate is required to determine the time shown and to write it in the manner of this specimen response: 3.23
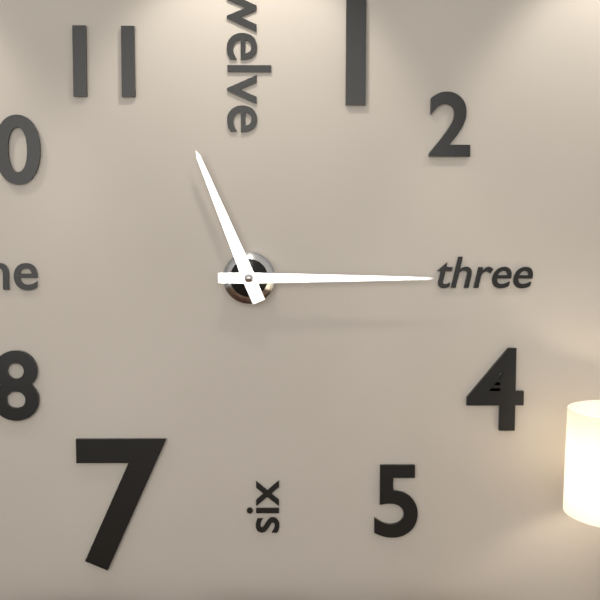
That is 11.15
